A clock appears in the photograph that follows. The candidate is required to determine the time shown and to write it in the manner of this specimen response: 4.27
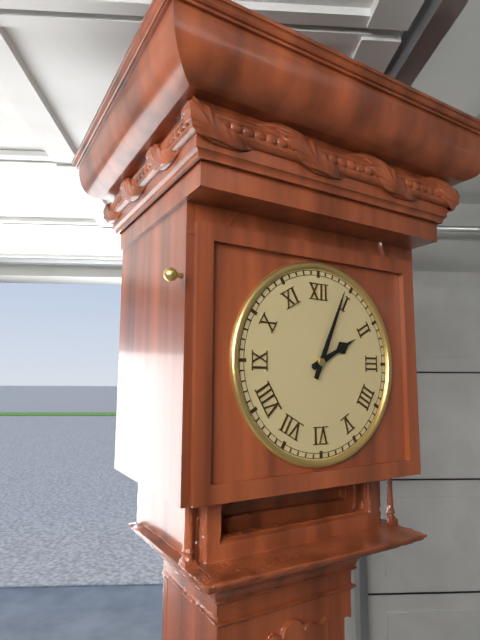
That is 2.04
